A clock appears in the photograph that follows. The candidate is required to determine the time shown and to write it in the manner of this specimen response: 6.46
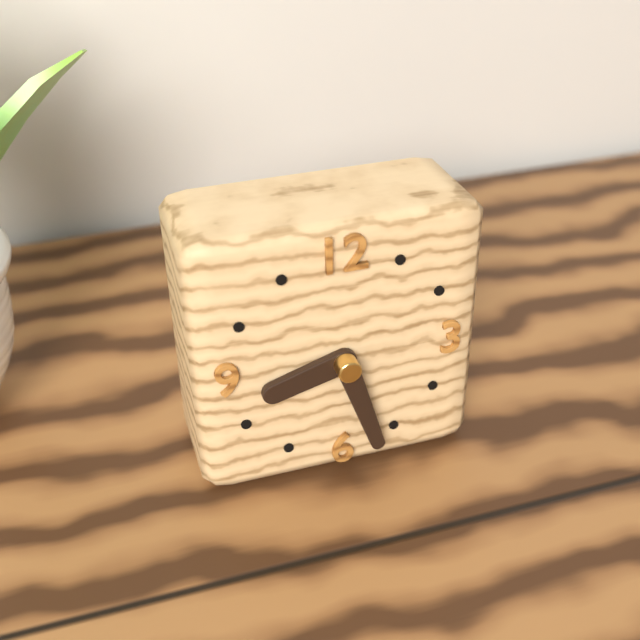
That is 8.27
